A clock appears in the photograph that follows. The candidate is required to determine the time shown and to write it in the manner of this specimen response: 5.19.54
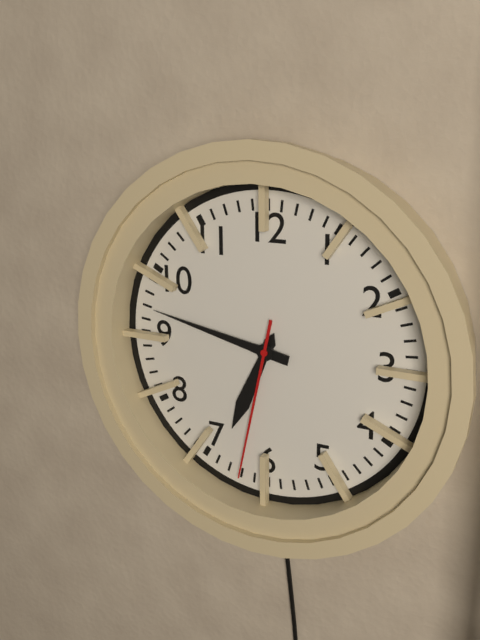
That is 6.47.32
